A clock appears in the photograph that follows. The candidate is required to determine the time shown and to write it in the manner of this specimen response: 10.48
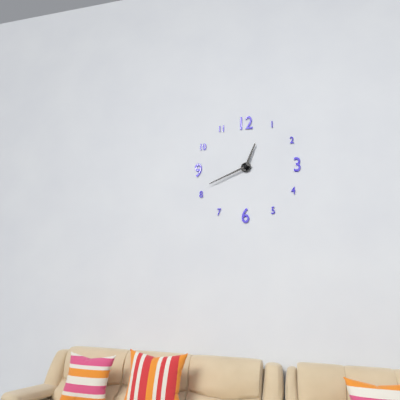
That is 12.41
